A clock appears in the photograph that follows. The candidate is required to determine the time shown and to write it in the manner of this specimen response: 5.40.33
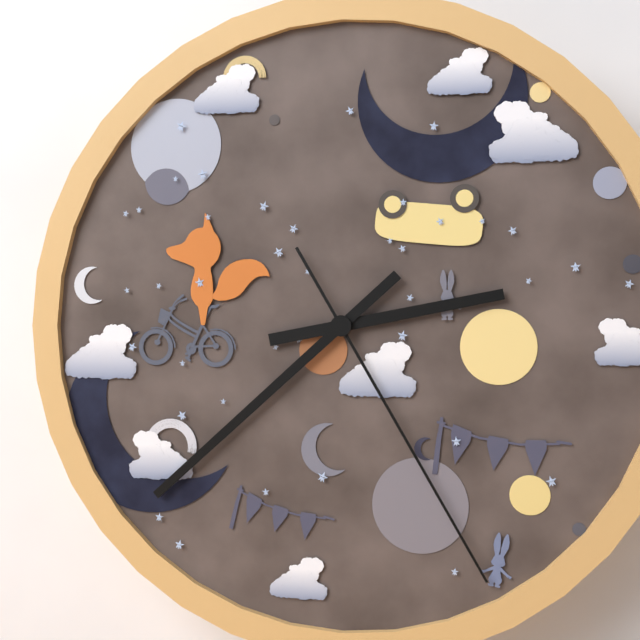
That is 2.38.25
